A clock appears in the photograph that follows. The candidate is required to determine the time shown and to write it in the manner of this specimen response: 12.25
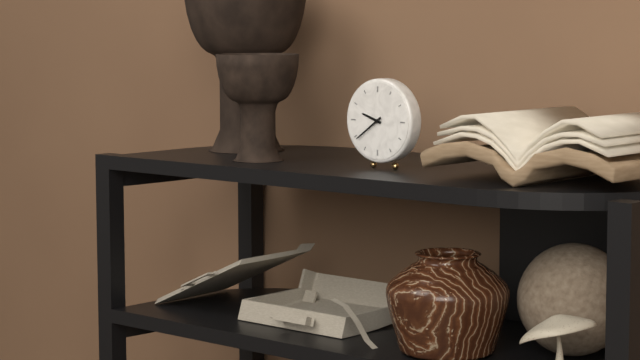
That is 9.39
